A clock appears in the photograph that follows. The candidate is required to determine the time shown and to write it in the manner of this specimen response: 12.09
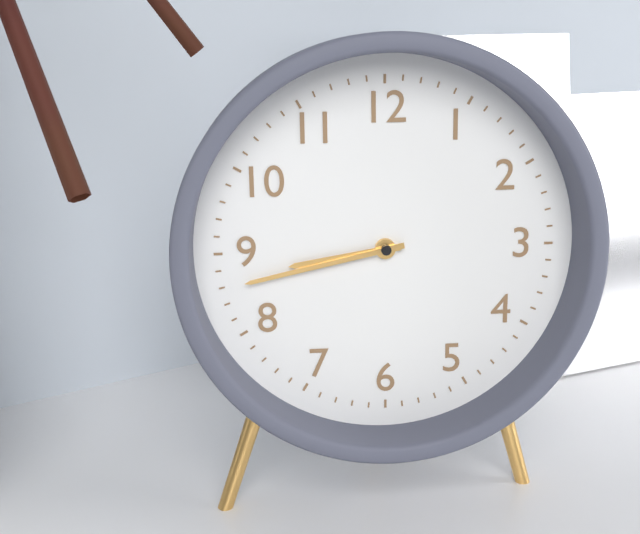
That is 8.43
